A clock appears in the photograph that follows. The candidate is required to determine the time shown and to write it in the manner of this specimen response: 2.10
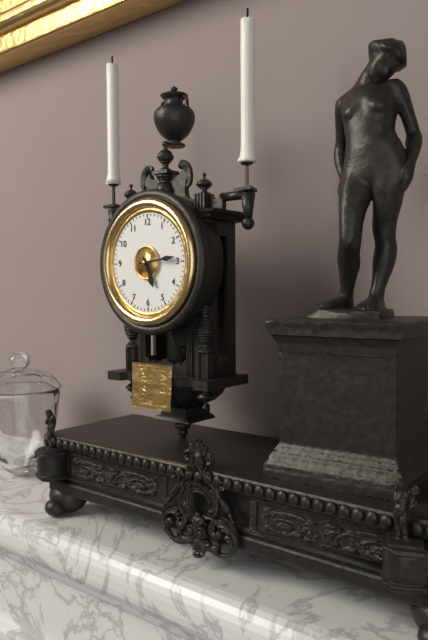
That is 5.14
